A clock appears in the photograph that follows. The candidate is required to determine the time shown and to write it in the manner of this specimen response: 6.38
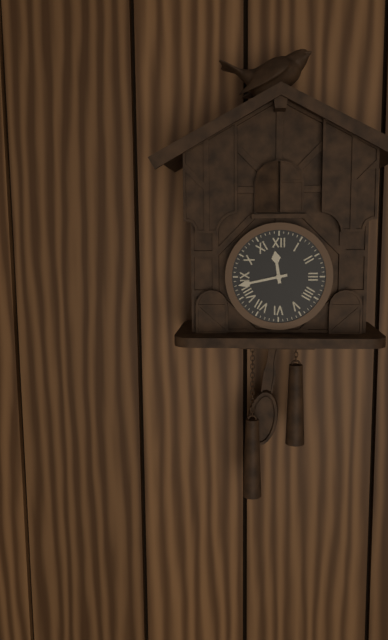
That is 11.43
